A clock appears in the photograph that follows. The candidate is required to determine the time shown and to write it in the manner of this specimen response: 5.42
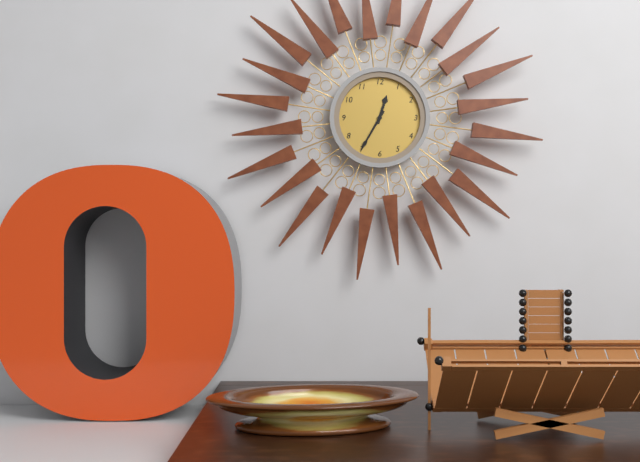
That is 12.35
